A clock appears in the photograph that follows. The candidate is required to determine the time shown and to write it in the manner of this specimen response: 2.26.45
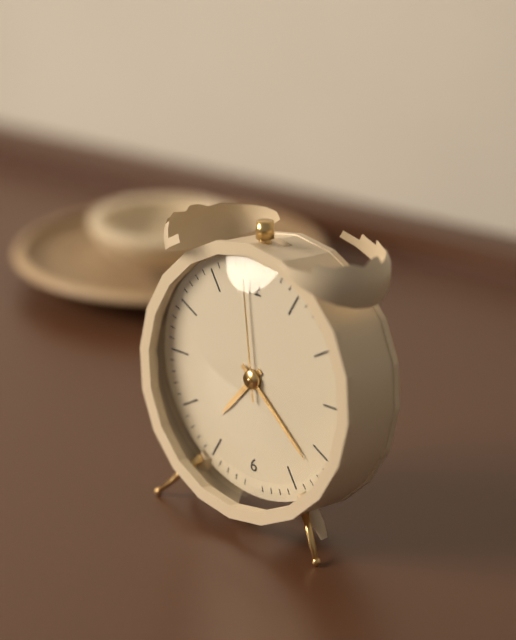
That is 7.22.59
